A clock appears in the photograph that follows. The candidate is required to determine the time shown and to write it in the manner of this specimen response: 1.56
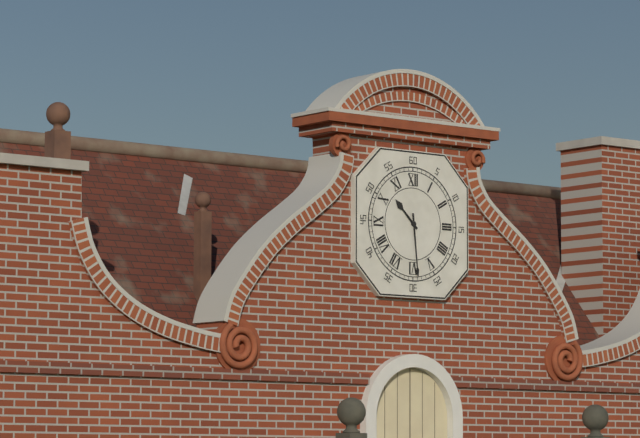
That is 10.29
